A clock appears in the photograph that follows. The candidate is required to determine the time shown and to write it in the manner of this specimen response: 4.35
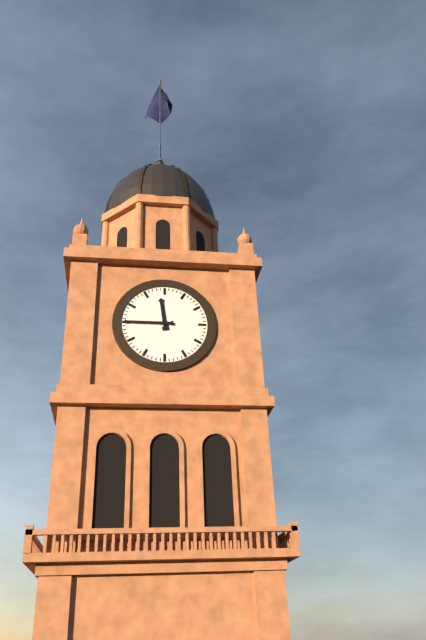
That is 11.45
